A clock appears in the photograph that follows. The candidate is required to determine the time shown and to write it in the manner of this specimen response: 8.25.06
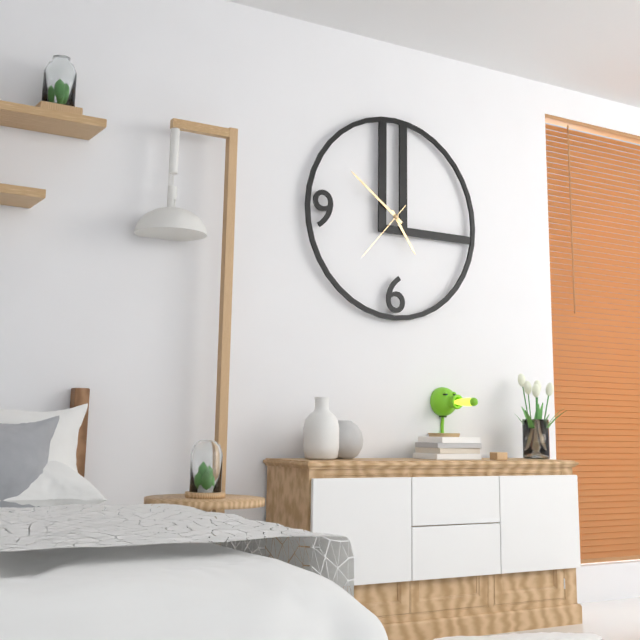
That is 4.51.37
